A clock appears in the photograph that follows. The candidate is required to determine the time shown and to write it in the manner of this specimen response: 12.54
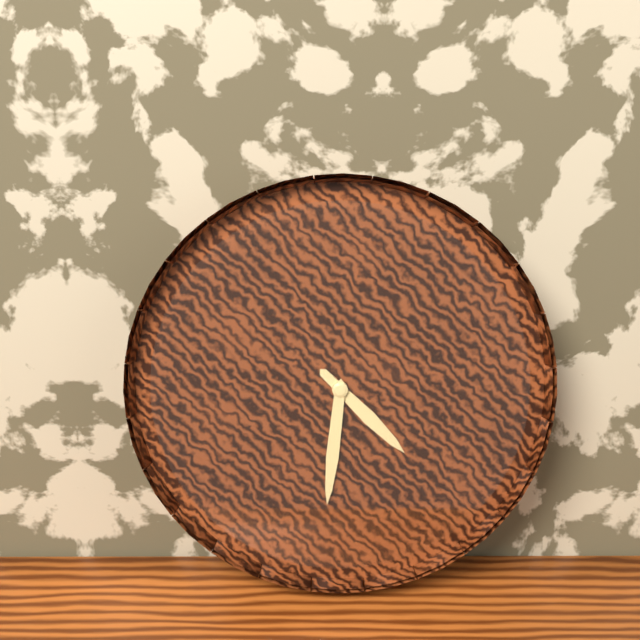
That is 4.31
